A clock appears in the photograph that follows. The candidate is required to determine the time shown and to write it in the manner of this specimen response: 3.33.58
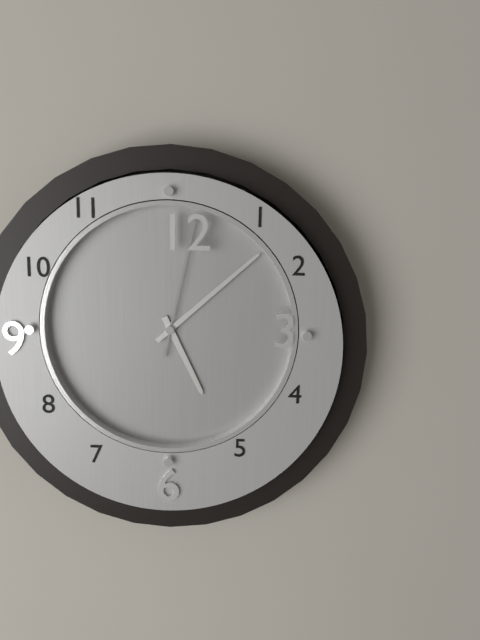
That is 5.08.02
